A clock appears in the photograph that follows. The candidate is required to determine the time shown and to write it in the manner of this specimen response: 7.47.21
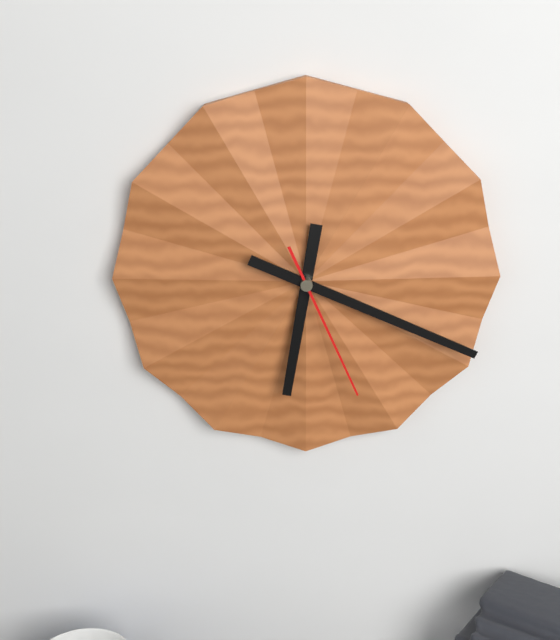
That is 6.19.26
